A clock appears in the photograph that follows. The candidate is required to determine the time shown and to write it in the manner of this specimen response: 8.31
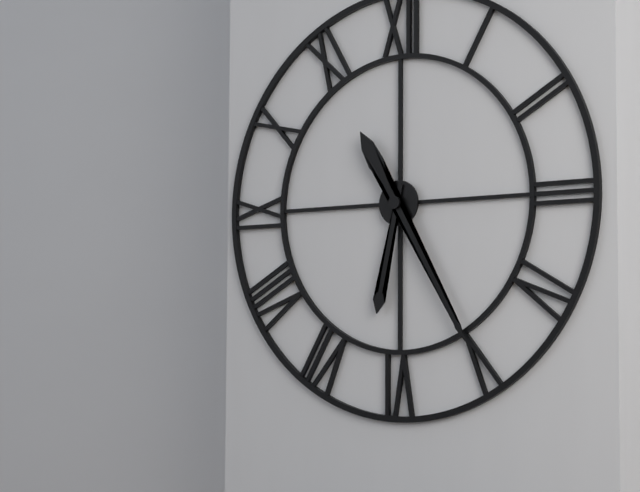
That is 6.25
